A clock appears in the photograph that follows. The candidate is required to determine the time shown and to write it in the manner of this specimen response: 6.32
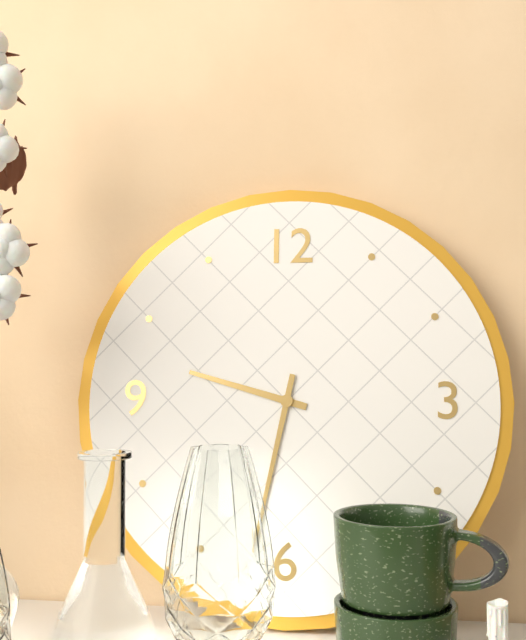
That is 9.32
